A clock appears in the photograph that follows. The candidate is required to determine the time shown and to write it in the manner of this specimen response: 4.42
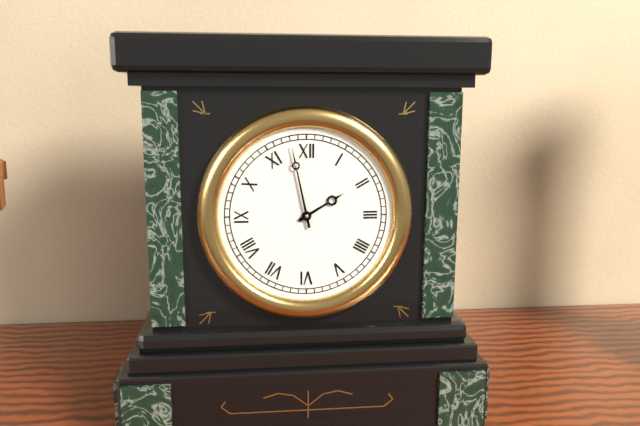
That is 1.58
